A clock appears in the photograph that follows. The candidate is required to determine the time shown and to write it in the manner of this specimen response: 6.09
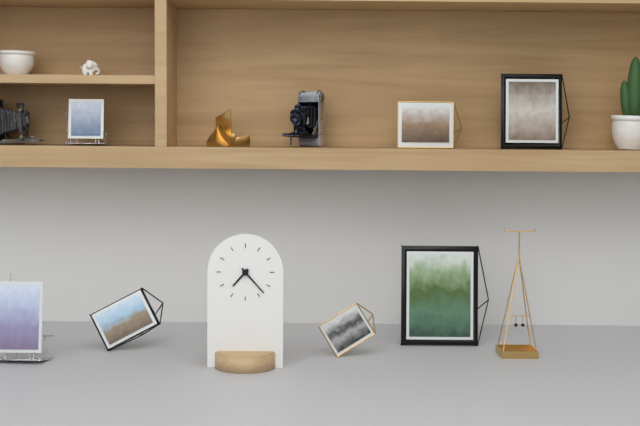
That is 7.23
